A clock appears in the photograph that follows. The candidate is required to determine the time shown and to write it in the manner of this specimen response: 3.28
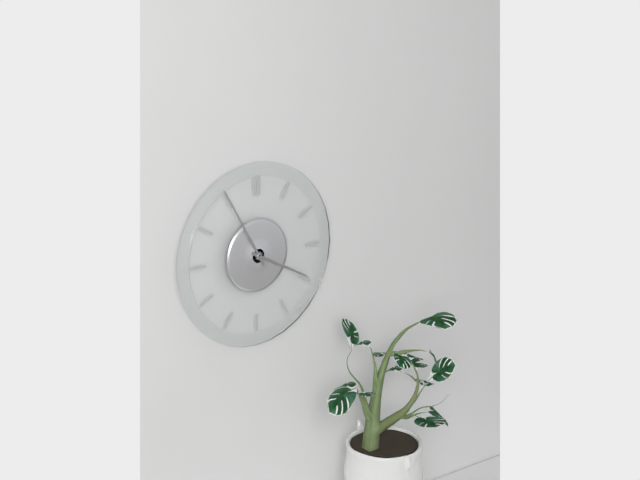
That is 3.55
